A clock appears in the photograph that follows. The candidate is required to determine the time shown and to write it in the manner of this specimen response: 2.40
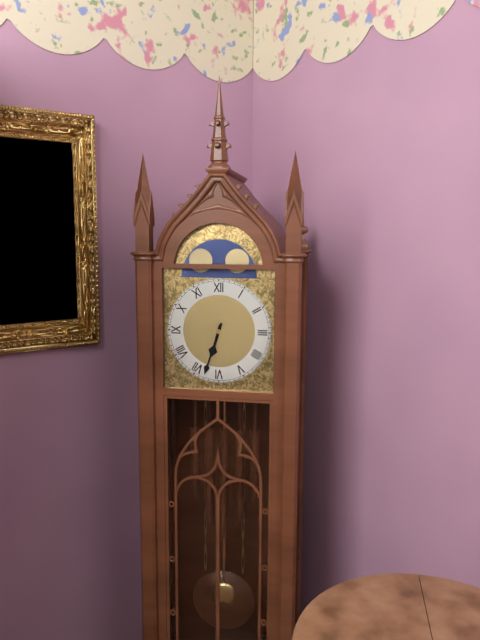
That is 6.33
